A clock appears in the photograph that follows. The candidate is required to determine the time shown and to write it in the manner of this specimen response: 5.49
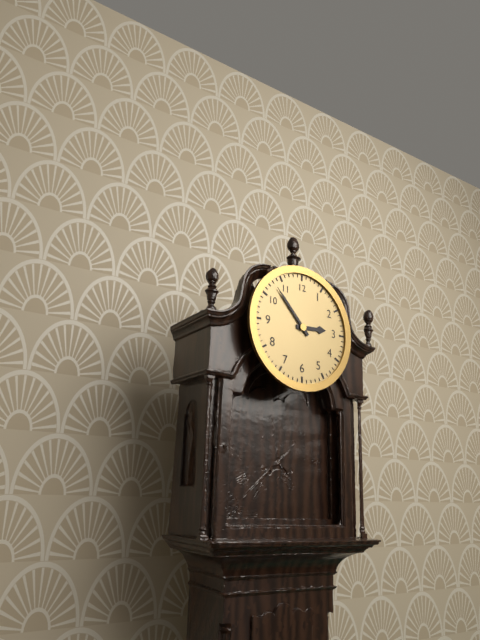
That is 2.53
